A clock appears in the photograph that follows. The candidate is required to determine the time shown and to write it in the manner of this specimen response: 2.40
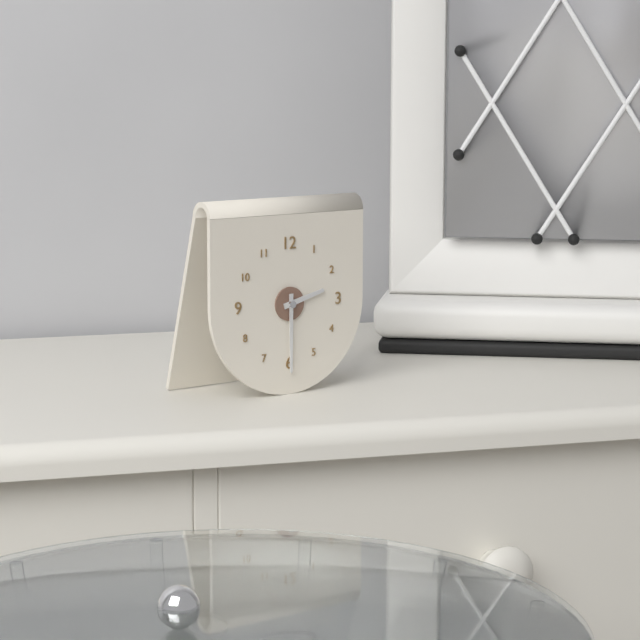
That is 2.30
